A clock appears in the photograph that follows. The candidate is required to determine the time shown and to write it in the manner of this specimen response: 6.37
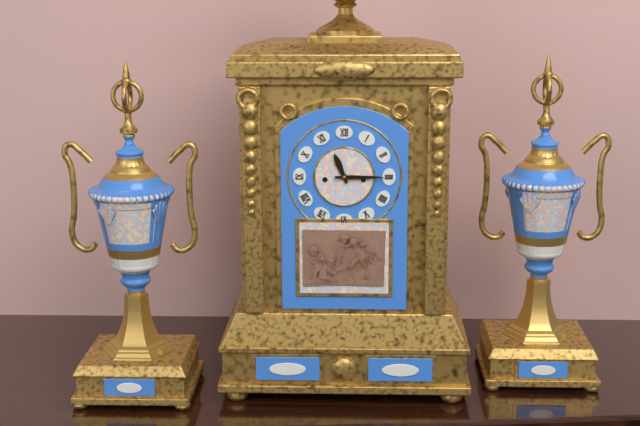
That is 11.15
